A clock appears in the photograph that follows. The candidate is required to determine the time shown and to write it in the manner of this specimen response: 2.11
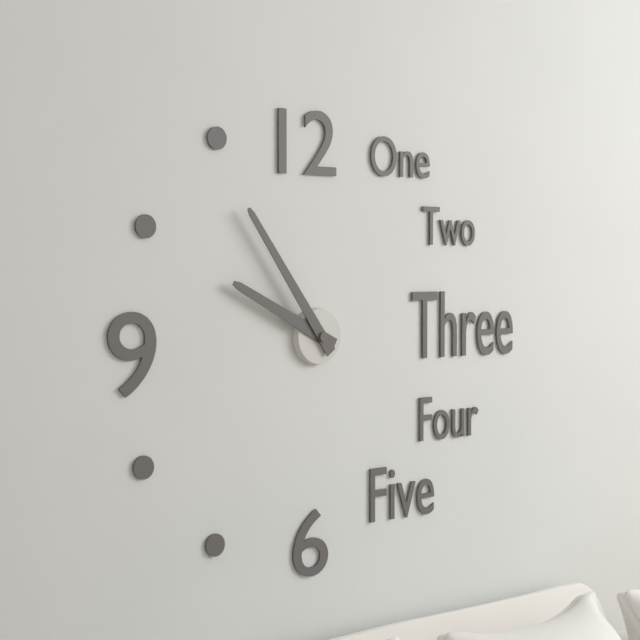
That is 9.54
